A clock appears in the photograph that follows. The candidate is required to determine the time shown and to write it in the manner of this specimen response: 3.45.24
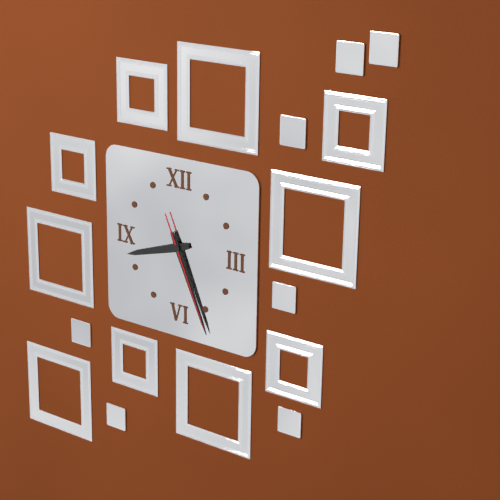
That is 8.26.26
